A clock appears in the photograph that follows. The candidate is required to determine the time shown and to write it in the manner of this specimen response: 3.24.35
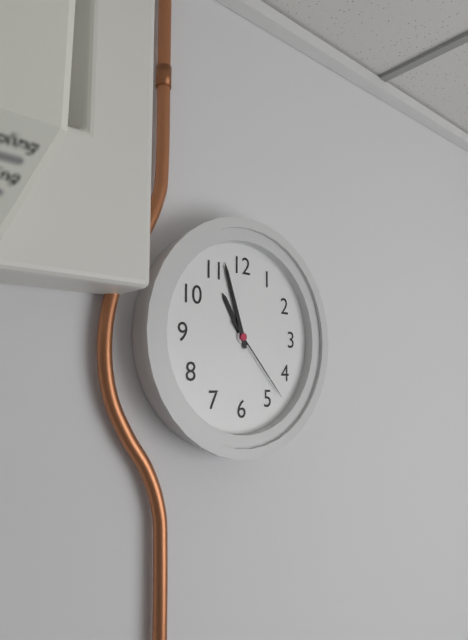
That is 10.57.23
